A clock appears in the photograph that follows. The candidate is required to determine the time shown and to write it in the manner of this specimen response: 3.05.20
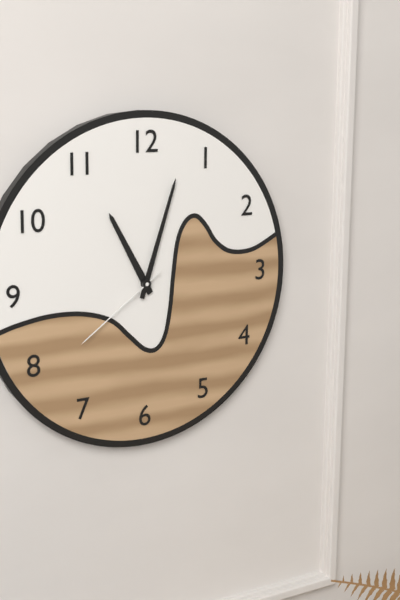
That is 11.03.39
